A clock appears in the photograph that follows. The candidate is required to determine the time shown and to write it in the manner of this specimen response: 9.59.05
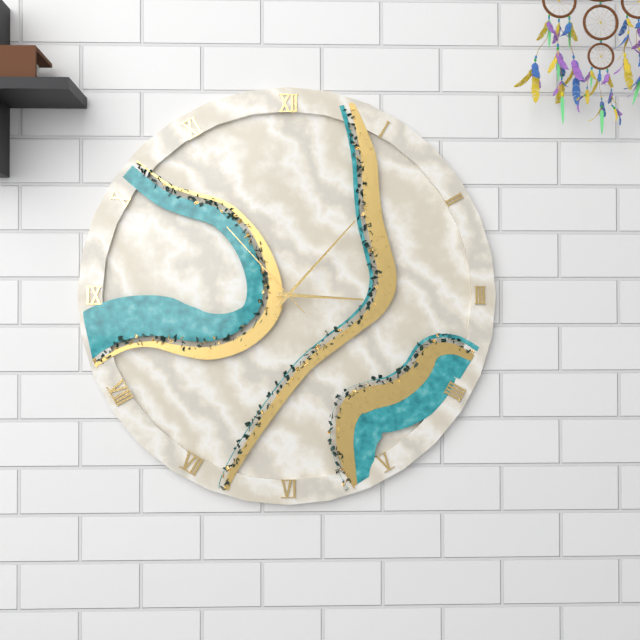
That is 3.07.53
